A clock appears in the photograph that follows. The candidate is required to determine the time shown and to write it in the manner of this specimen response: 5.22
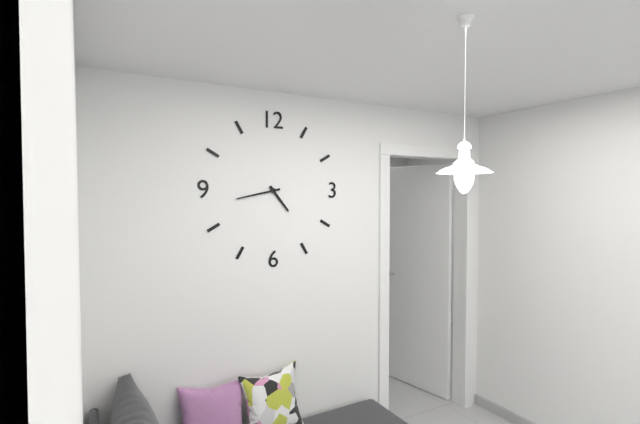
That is 4.43
